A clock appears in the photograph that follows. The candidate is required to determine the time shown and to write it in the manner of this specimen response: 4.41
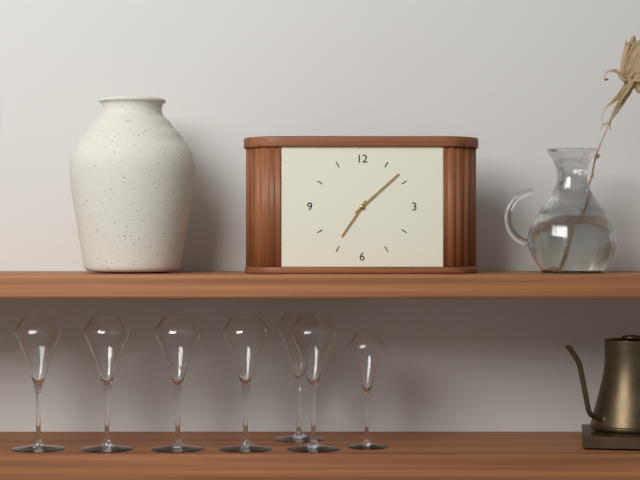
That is 7.08
